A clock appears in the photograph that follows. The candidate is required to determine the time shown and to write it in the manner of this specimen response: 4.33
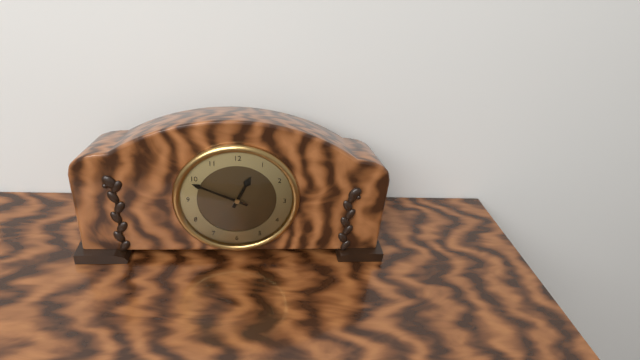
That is 12.49
